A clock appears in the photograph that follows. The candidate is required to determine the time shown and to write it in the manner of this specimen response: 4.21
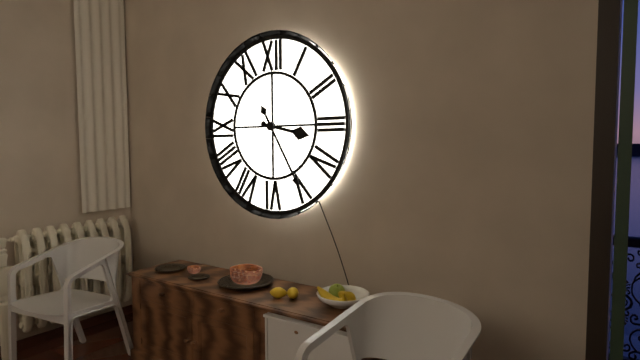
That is 3.25
